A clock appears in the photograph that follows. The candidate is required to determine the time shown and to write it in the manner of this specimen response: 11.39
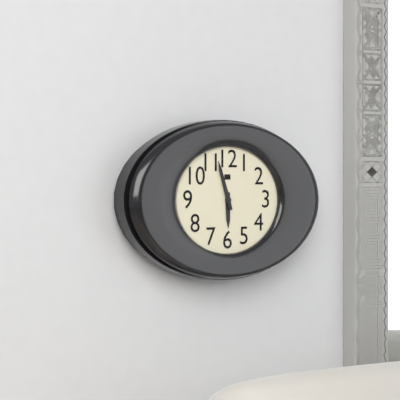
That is 5.57
